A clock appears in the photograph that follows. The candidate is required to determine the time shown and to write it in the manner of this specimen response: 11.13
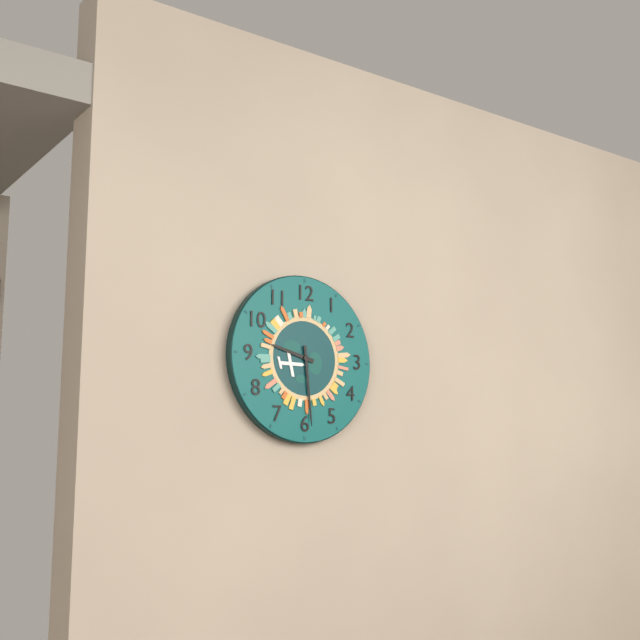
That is 9.29
